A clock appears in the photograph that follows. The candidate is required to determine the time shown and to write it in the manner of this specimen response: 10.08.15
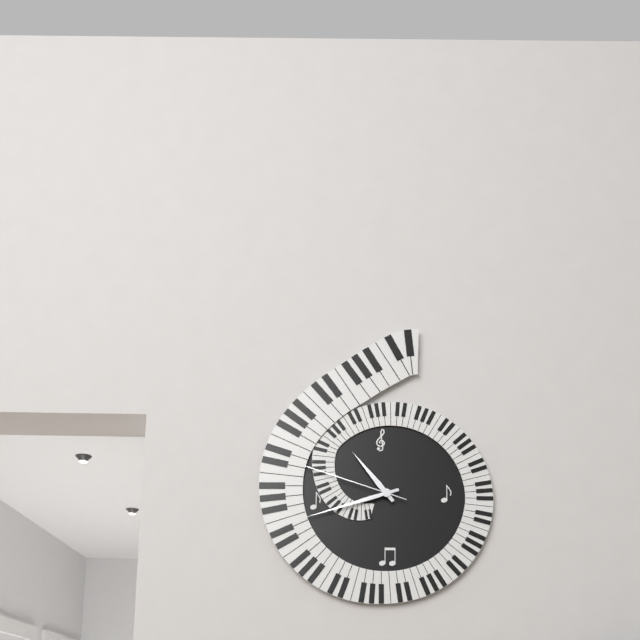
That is 10.42.48
